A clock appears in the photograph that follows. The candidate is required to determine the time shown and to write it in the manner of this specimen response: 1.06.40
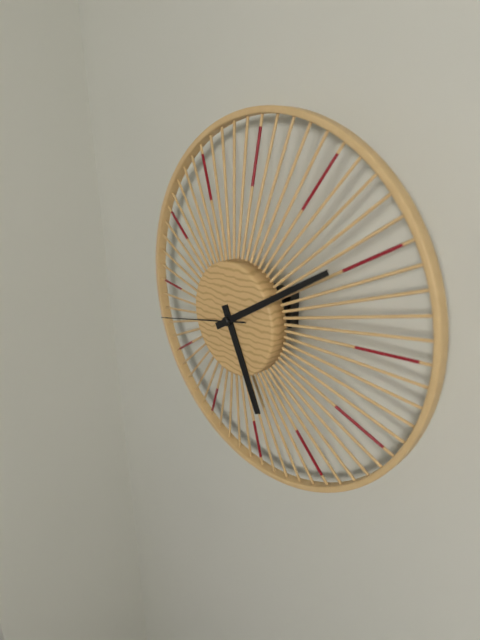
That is 5.10.43
